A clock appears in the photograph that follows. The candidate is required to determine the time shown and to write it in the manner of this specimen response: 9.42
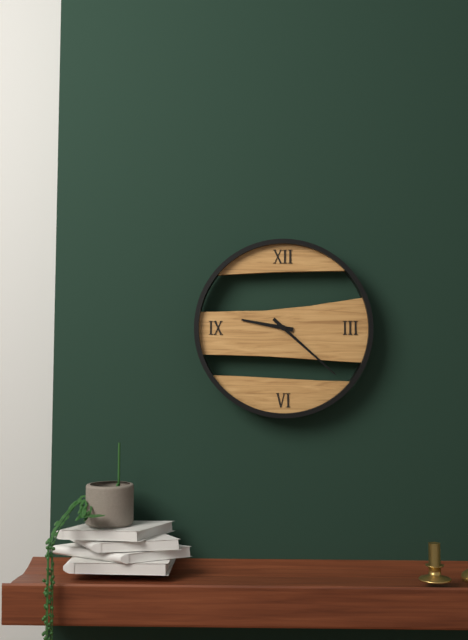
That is 9.22
